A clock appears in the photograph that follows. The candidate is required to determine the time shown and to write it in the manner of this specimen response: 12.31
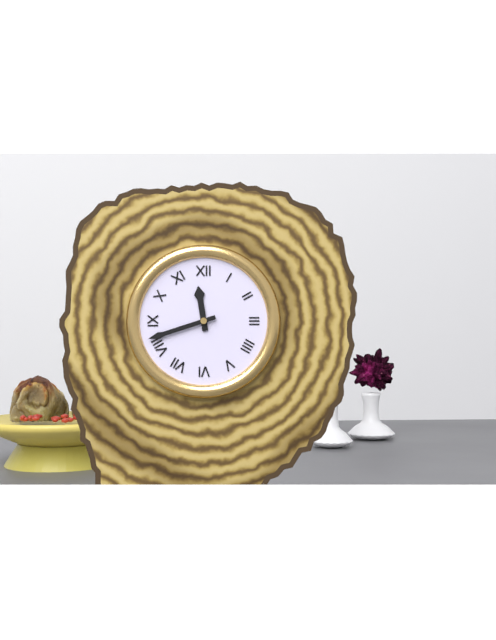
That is 11.42
